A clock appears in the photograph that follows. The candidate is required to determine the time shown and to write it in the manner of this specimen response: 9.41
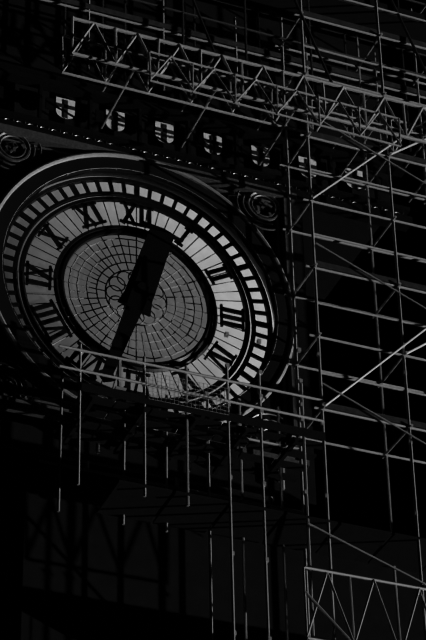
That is 12.33
